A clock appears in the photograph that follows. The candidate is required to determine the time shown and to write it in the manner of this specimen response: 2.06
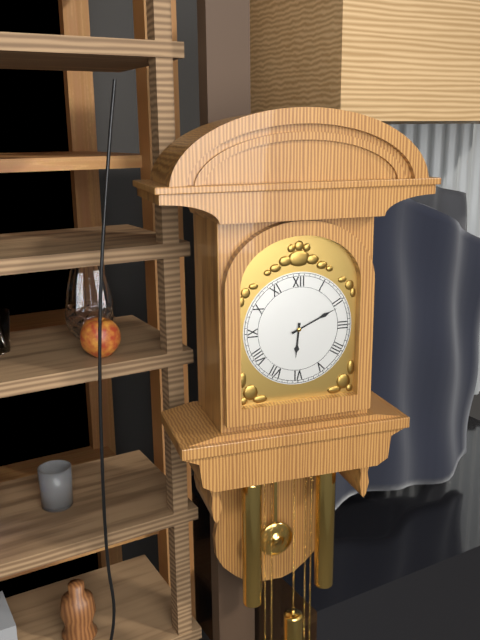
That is 6.11
